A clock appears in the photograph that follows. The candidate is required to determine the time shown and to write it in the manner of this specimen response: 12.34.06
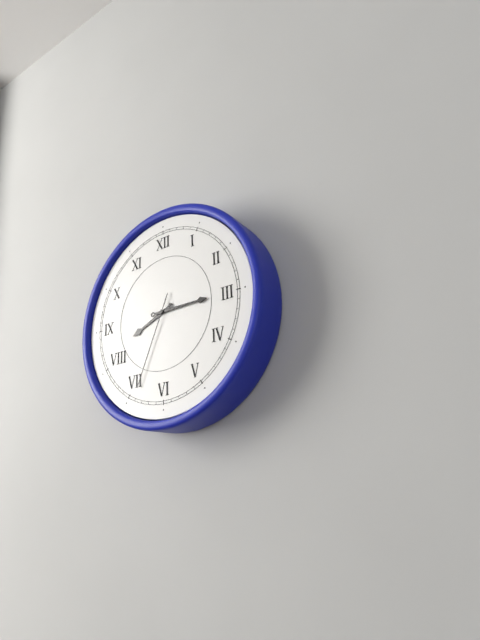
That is 8.15.34
